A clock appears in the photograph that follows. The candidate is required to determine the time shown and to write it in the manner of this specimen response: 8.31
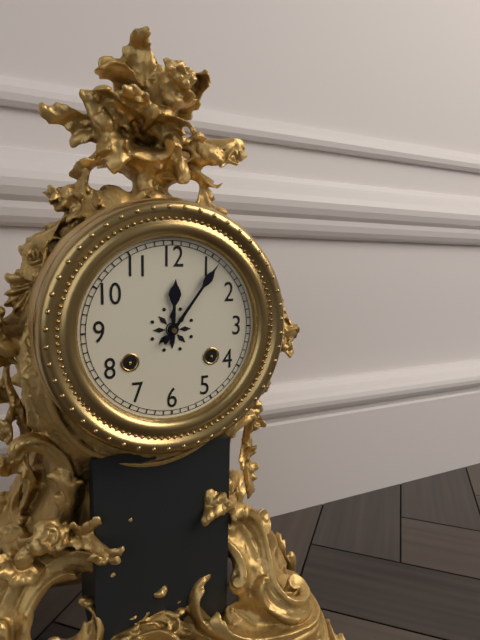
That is 12.06
